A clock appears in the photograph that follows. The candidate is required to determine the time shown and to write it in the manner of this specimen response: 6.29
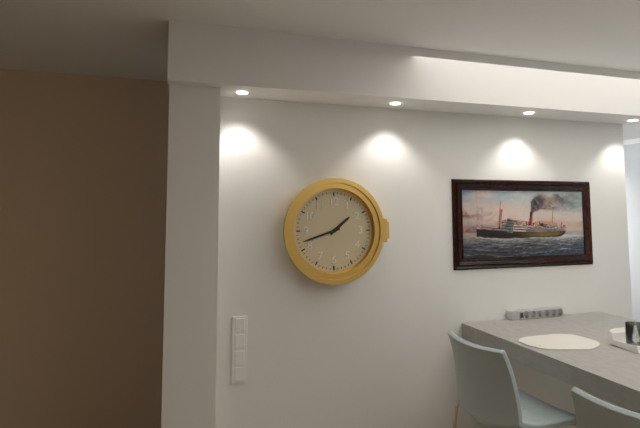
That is 1.42
